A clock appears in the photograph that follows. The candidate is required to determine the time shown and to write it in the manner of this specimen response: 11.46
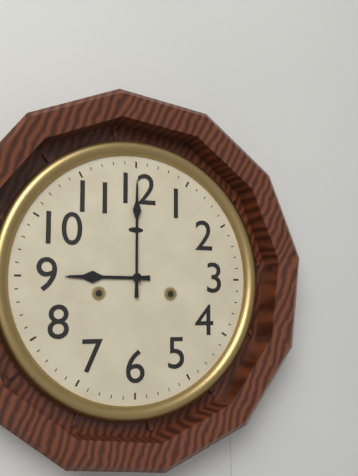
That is 9.00
